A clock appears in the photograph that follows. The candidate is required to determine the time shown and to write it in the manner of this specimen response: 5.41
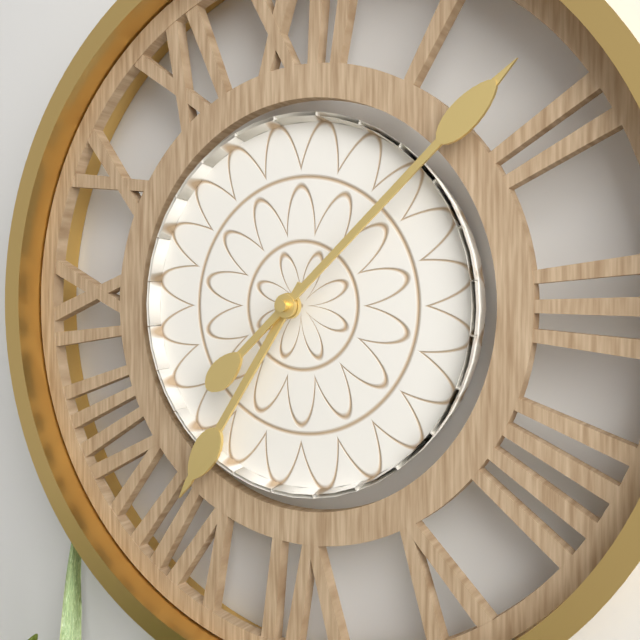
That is 7.08
